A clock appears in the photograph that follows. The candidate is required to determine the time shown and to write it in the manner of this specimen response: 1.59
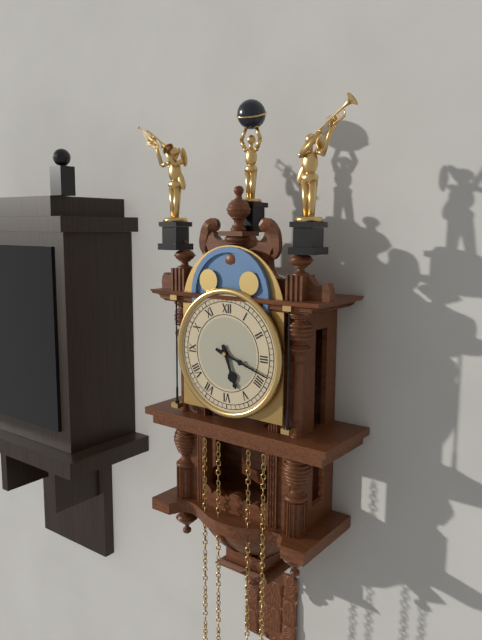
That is 5.18
